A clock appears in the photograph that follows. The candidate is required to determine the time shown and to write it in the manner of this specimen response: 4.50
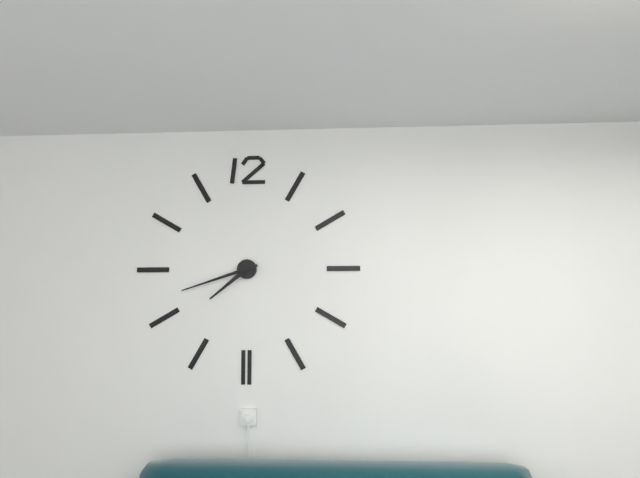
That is 7.42
